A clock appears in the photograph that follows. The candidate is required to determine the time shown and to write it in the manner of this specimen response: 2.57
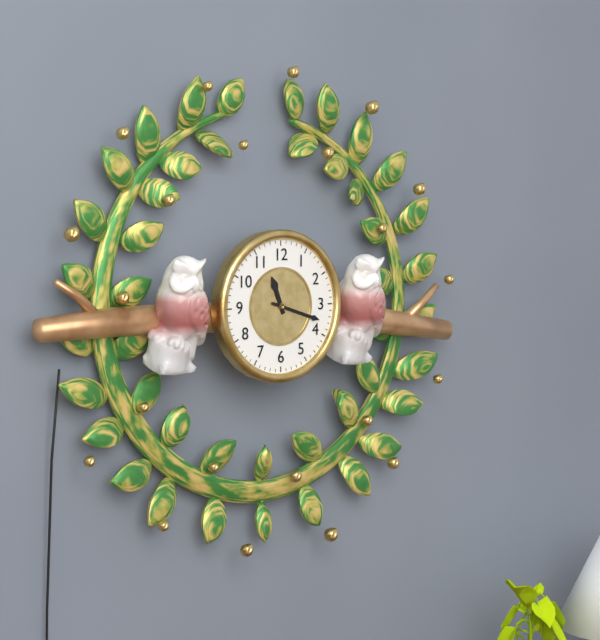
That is 11.18
